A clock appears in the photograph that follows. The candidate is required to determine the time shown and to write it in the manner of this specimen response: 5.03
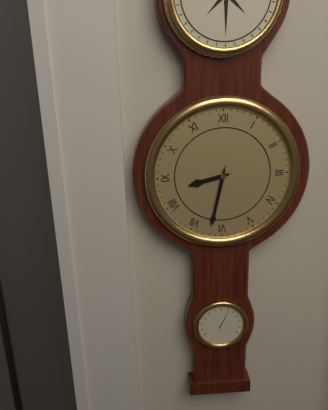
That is 8.32
